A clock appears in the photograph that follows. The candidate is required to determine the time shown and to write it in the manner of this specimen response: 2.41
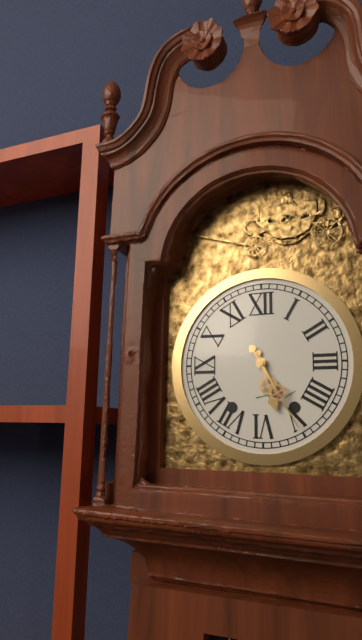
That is 5.25
